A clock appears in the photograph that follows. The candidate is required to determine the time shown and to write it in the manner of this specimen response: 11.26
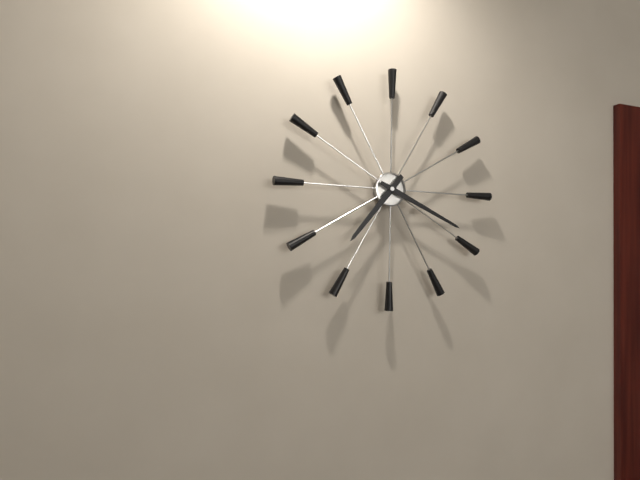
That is 7.19
